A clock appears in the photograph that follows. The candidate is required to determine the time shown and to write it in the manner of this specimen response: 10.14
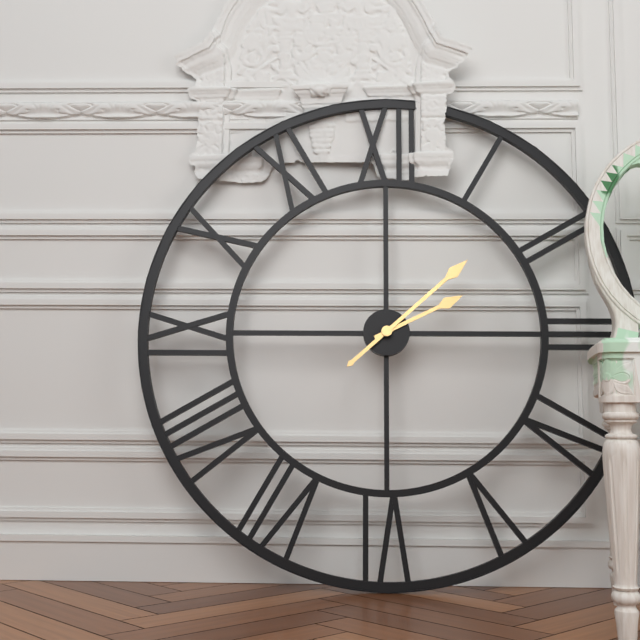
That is 2.08
